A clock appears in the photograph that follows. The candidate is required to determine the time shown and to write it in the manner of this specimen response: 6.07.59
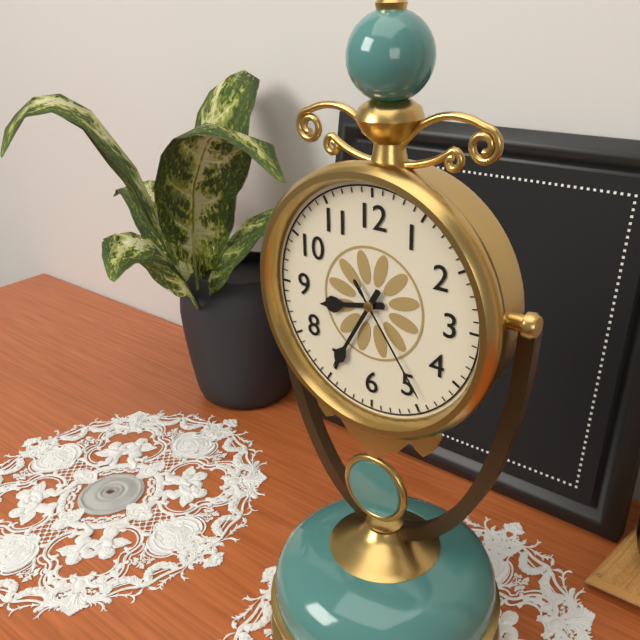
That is 8.35.24
